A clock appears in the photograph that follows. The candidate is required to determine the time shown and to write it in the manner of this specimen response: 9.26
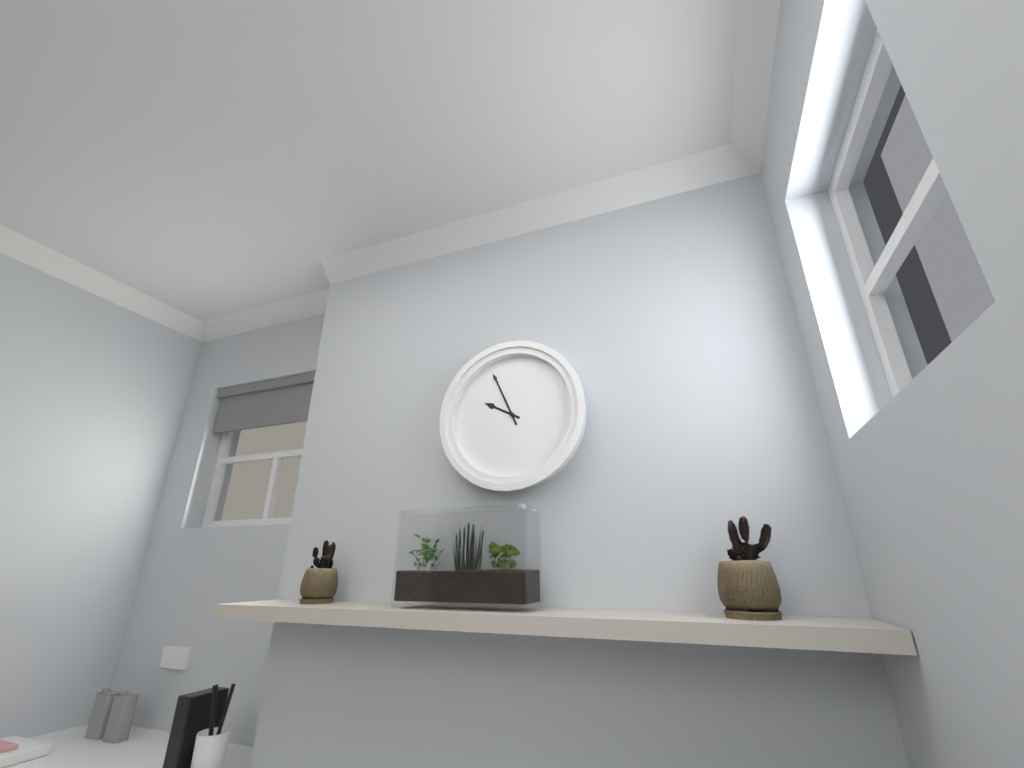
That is 9.56
